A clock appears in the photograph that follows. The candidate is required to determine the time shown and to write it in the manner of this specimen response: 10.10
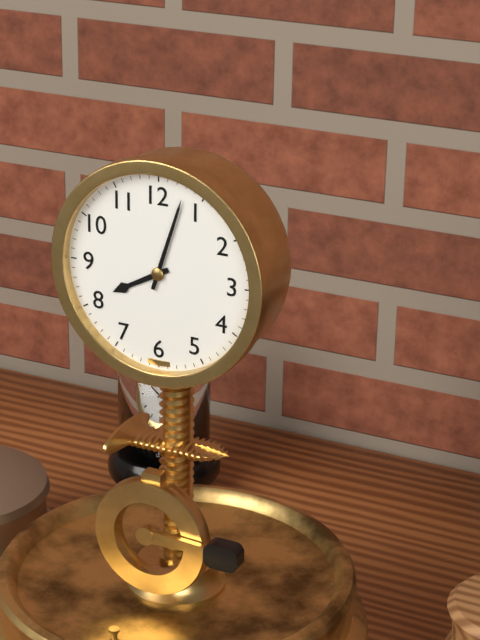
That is 8.03
